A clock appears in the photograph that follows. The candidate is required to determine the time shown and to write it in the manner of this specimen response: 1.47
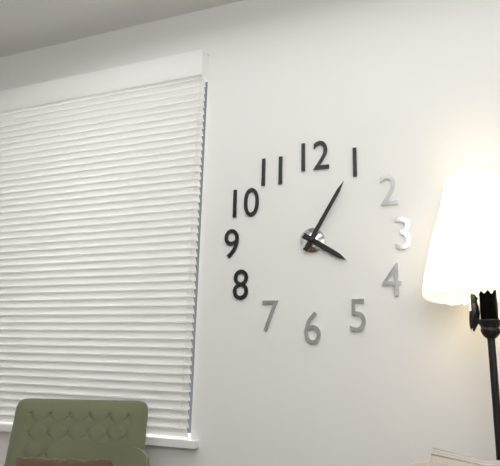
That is 4.05
